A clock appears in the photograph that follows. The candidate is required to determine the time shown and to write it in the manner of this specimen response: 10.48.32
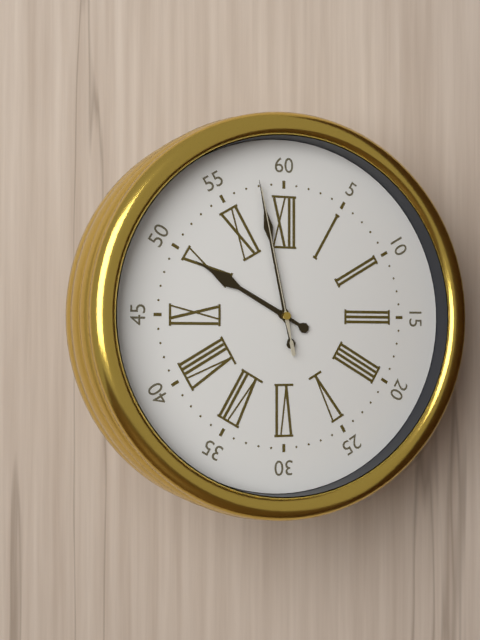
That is 9.58.58
